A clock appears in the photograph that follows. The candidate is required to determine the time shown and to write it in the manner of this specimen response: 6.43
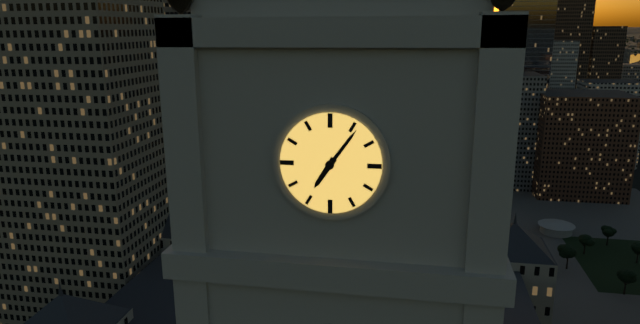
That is 7.06
